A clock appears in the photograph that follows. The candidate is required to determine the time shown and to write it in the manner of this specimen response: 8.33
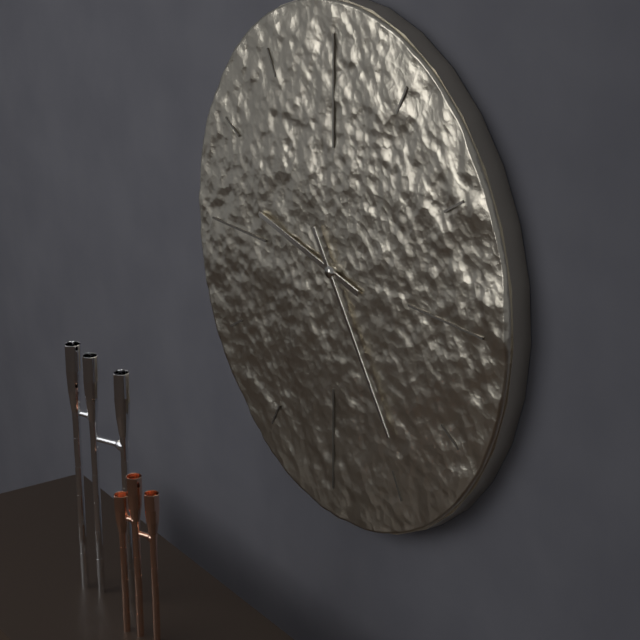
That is 9.24
